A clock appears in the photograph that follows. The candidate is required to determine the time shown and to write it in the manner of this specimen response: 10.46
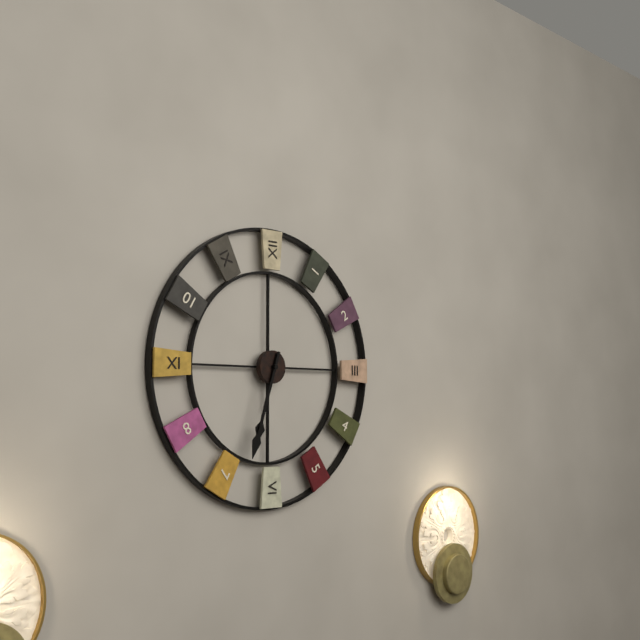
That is 6.33
